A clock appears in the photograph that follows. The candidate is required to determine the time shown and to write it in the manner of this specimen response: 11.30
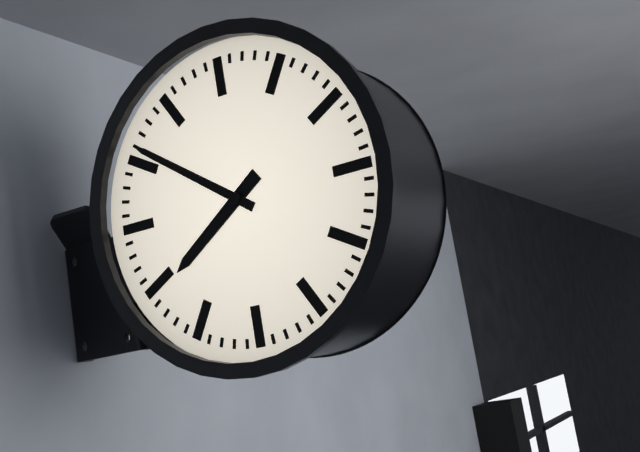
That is 7.51
